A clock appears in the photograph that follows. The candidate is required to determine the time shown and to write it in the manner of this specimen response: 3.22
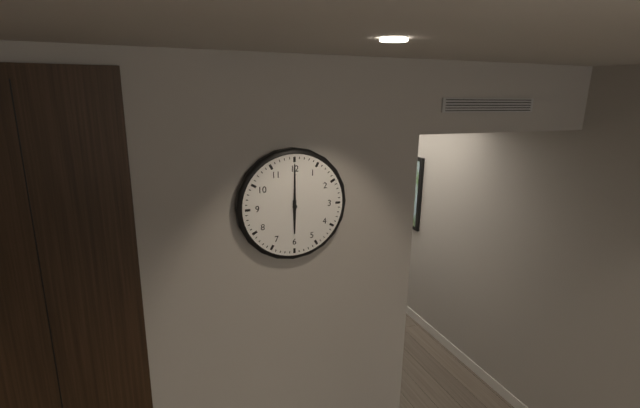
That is 6.00
